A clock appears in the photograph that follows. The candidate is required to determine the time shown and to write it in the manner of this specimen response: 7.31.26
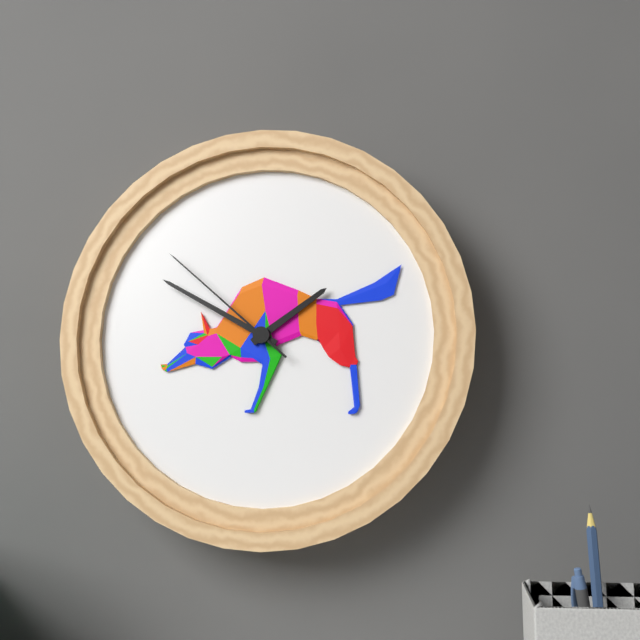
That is 1.50.52
